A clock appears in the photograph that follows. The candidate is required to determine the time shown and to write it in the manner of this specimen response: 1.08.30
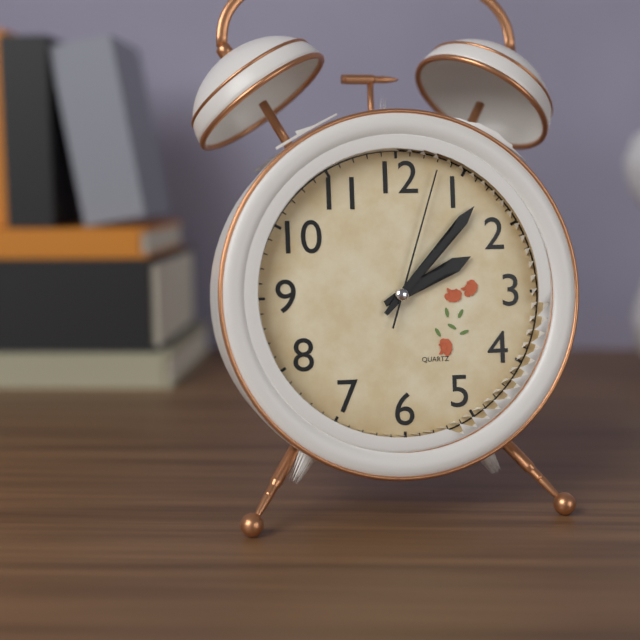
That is 2.07.03
